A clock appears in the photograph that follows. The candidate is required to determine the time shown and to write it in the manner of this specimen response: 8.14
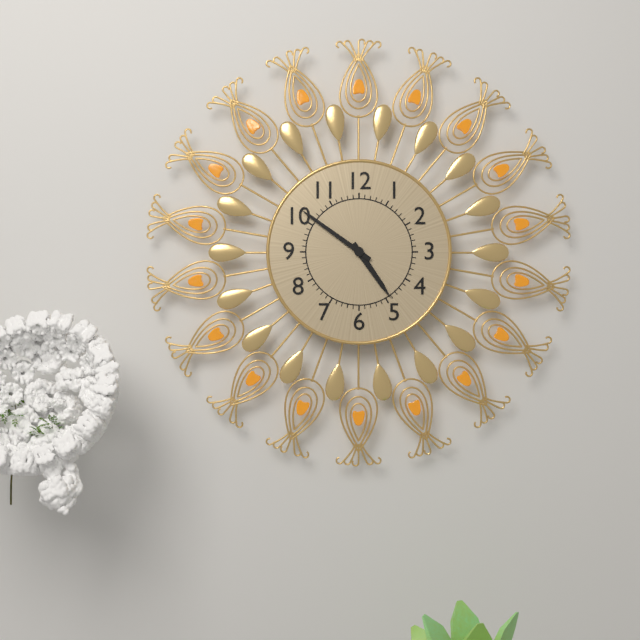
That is 4.51
